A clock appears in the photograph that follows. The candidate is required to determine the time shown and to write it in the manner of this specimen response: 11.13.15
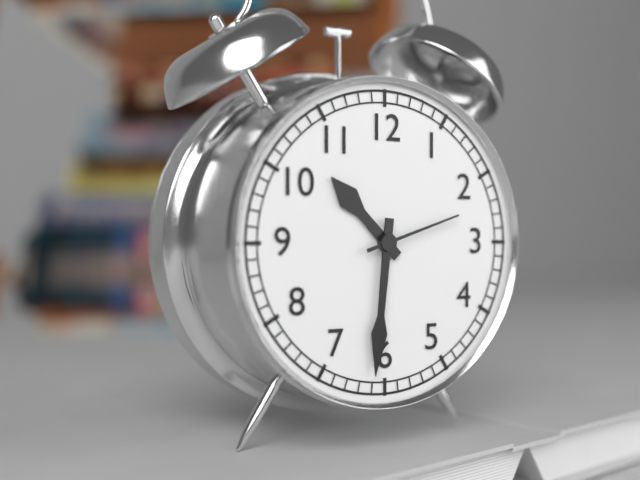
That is 10.31.12
